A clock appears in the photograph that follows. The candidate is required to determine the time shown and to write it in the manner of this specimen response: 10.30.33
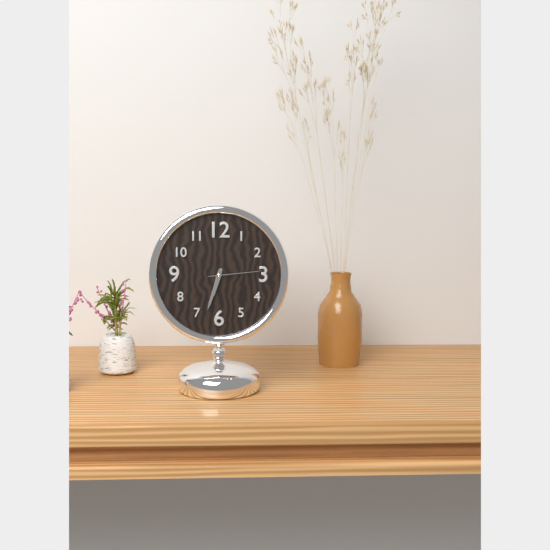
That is 6.33.14
